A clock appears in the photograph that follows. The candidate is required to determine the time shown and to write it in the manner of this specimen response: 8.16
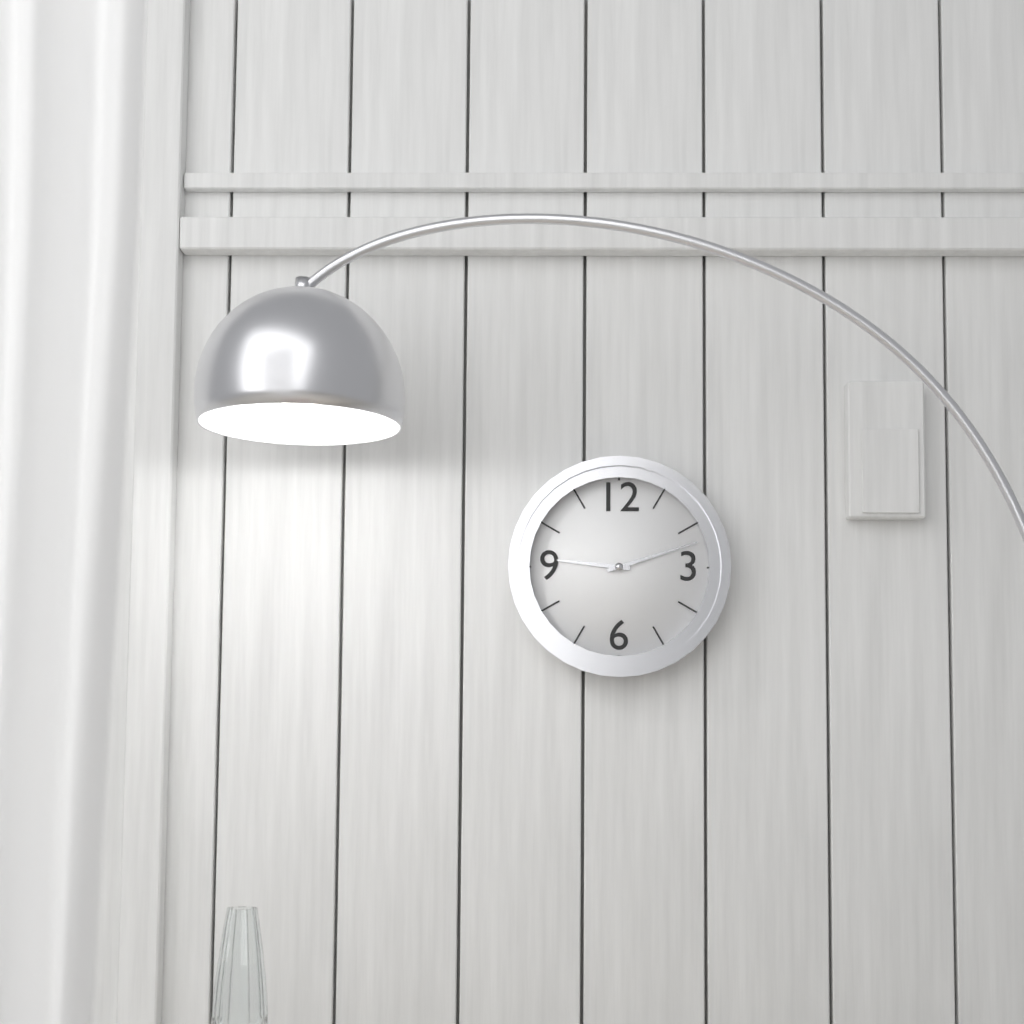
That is 9.12
